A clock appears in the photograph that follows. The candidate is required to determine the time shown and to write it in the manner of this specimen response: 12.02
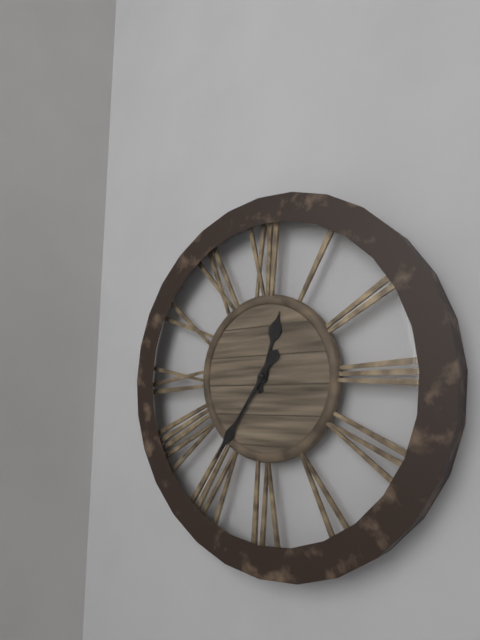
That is 12.36
